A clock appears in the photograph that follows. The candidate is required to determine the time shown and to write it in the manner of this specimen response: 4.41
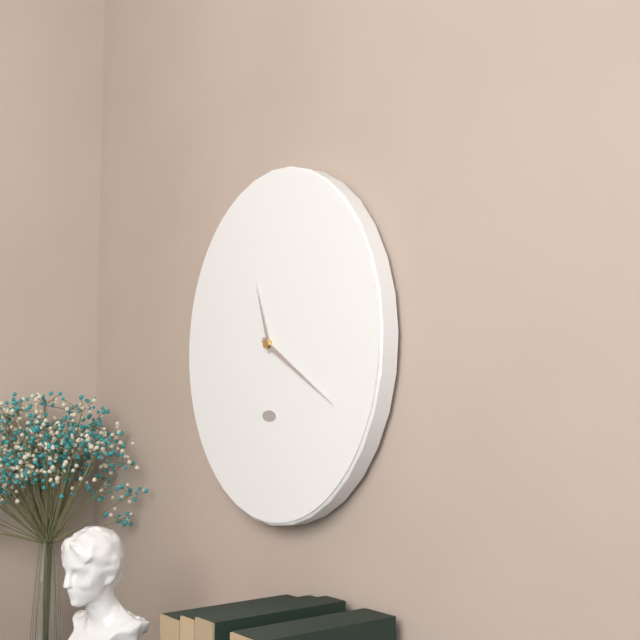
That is 11.20
